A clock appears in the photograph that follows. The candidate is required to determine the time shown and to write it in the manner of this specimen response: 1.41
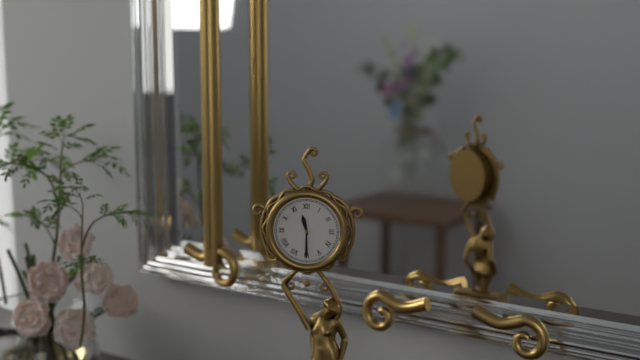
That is 11.30
